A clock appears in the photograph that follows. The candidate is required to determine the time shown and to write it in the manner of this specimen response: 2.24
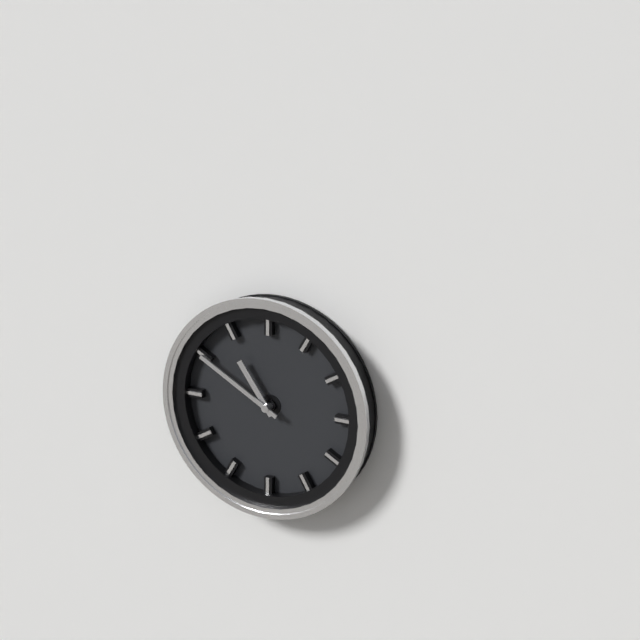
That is 10.50
